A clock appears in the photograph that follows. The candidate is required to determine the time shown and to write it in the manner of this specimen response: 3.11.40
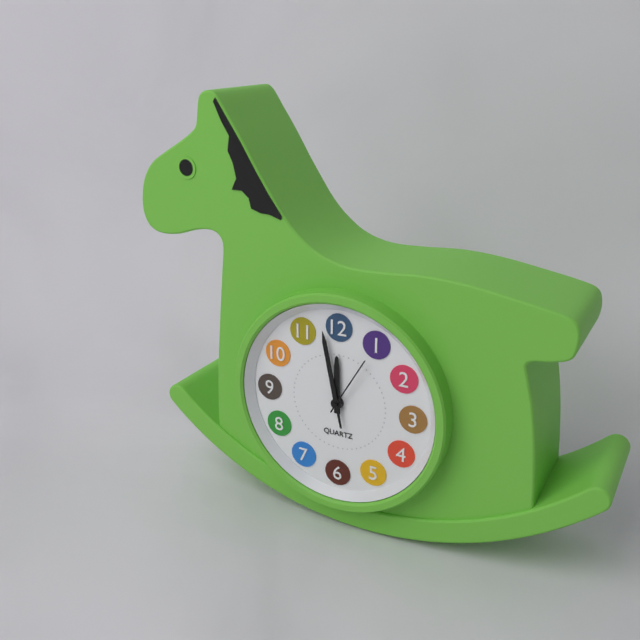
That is 11.58.05
